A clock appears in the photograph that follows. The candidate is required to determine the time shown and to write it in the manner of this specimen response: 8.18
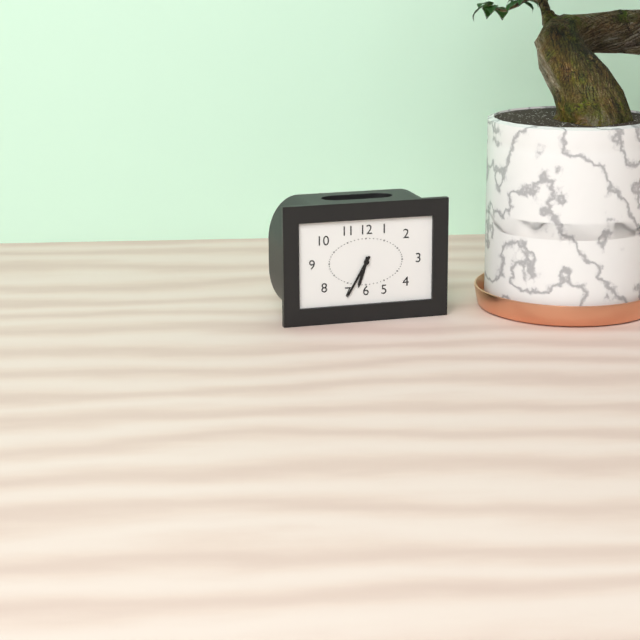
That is 6.35
